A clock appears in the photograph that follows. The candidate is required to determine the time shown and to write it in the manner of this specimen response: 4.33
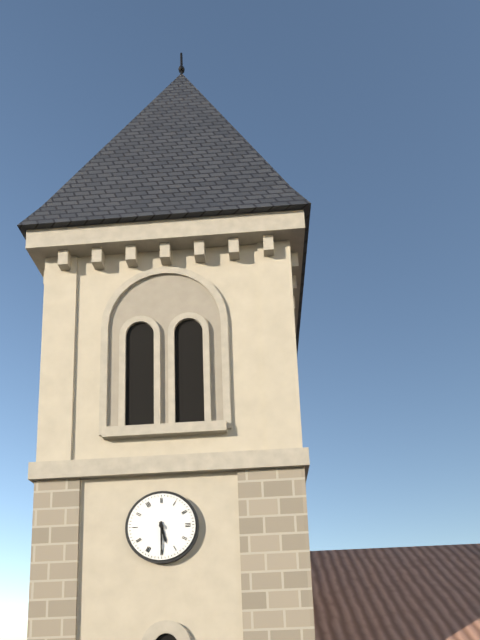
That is 5.30
